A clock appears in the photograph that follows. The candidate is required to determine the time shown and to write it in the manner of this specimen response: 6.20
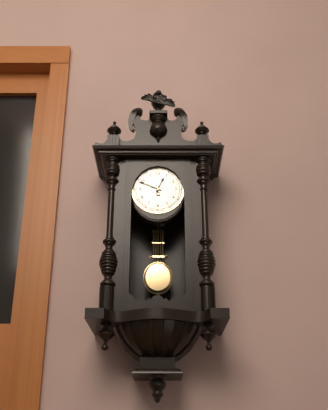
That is 12.49
